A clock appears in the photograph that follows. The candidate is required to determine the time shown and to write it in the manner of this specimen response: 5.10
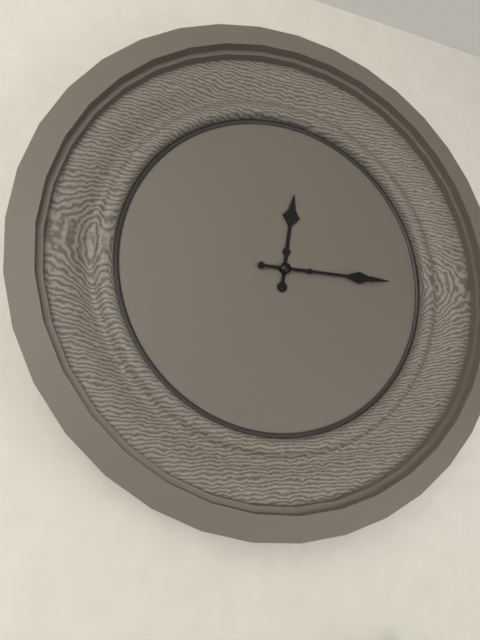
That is 12.15
